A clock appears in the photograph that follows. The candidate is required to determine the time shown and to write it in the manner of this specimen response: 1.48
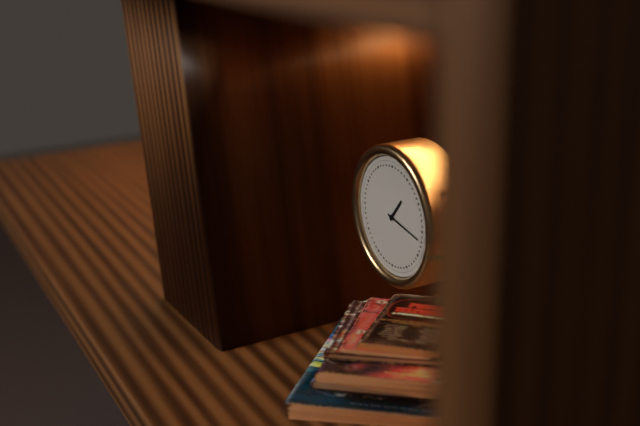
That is 1.17
